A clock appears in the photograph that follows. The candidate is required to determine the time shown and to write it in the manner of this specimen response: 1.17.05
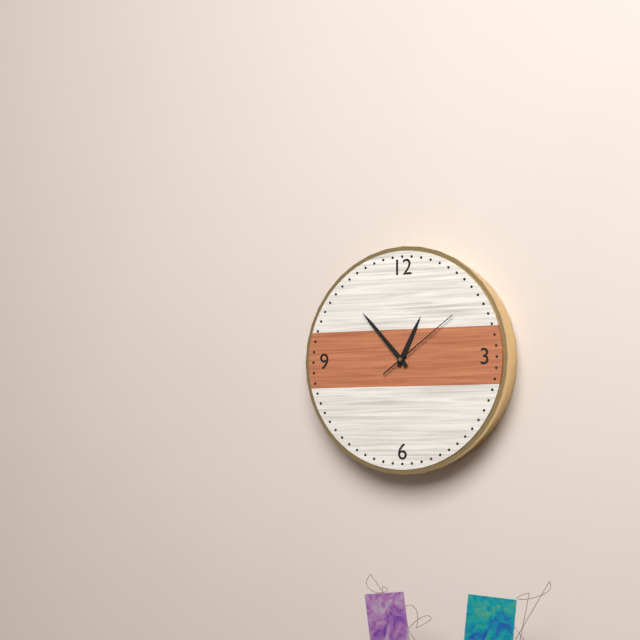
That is 12.53.09
